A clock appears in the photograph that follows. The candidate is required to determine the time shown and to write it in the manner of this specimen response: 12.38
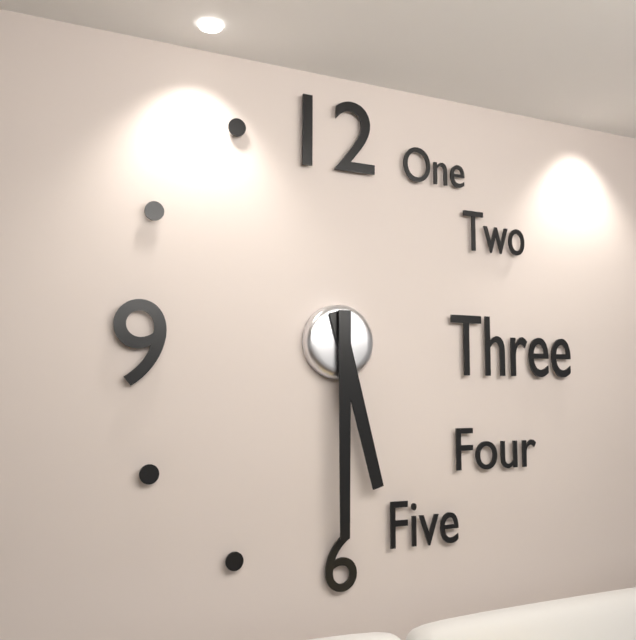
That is 5.30
